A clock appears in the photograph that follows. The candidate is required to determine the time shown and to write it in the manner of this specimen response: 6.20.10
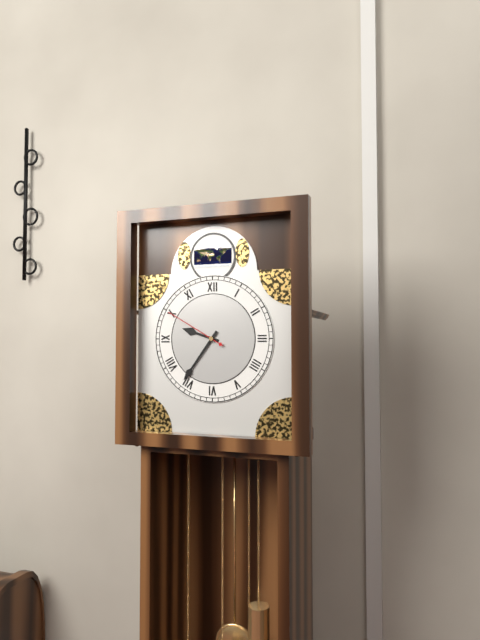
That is 9.36.50
